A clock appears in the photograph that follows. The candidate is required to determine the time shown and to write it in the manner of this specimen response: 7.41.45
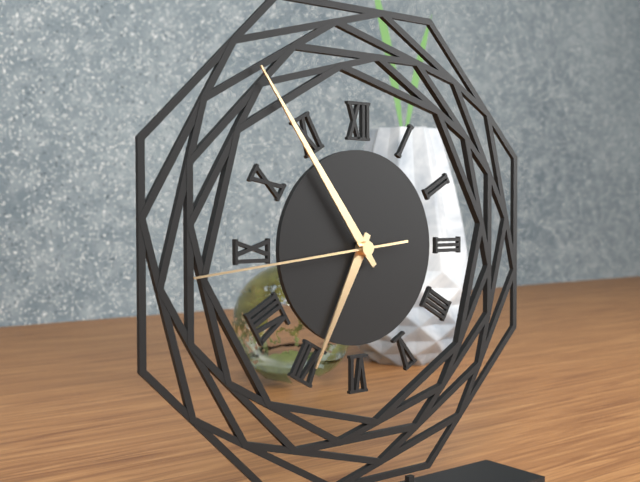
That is 6.54.44
